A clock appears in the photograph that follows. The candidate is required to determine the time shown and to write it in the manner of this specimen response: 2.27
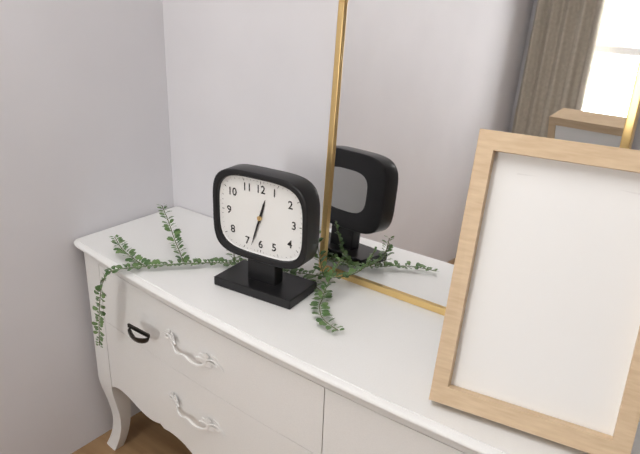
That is 12.33
